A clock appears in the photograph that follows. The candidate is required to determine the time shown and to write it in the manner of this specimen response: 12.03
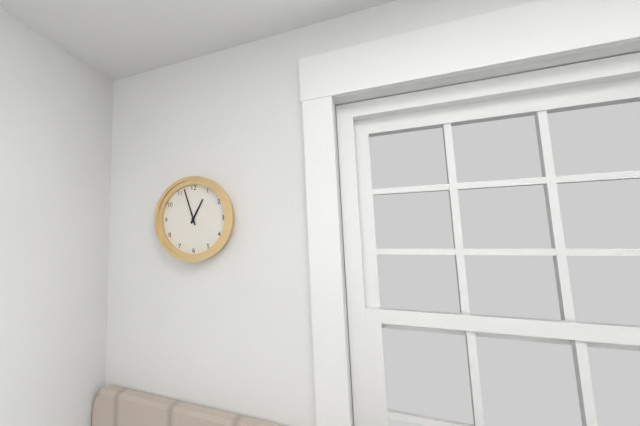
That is 12.57
